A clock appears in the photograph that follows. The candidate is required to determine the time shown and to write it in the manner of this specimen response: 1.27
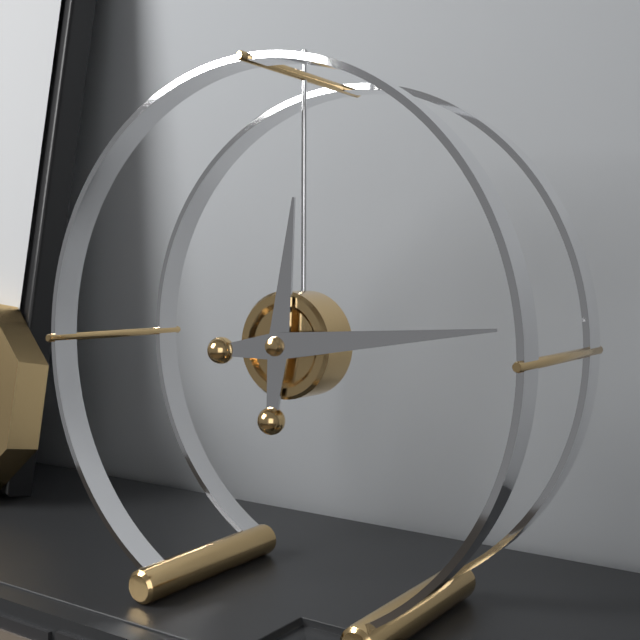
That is 12.14
